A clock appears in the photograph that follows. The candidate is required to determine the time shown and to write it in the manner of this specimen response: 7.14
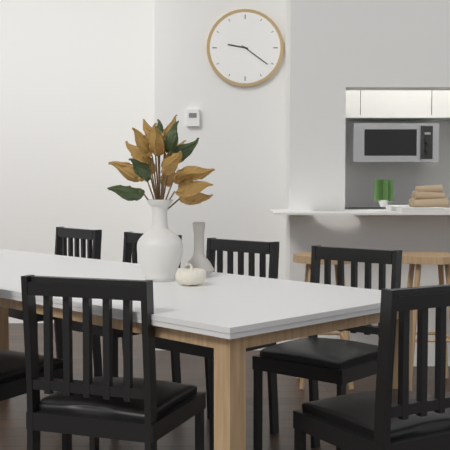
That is 9.21
